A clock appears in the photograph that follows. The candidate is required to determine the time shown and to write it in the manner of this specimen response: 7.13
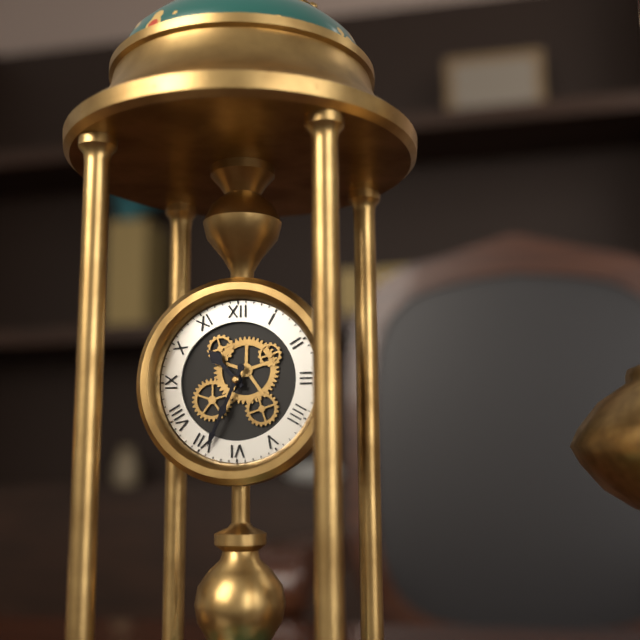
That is 10.34
